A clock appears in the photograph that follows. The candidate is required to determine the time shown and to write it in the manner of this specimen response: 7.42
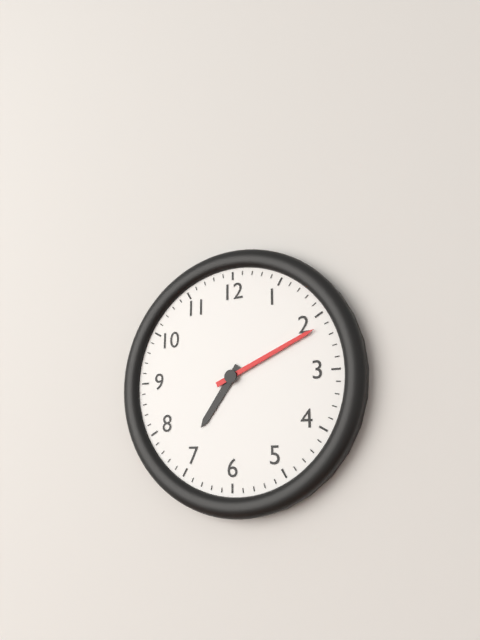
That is 7.11
